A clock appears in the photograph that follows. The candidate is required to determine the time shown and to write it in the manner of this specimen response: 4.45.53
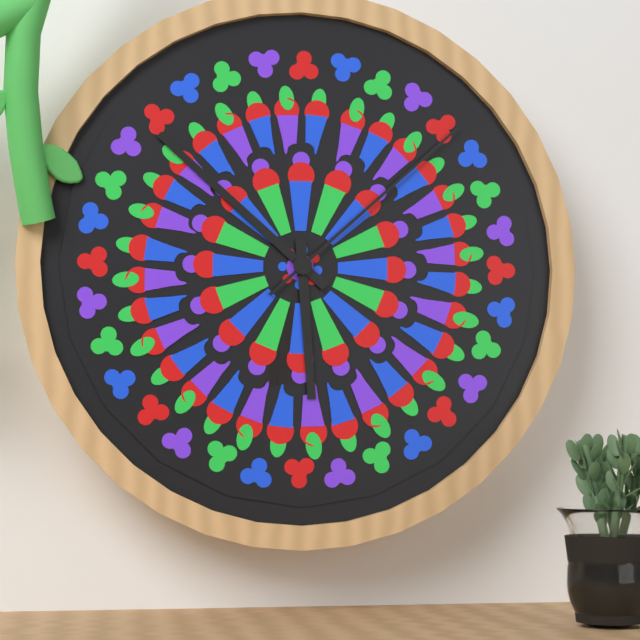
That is 5.52.08
